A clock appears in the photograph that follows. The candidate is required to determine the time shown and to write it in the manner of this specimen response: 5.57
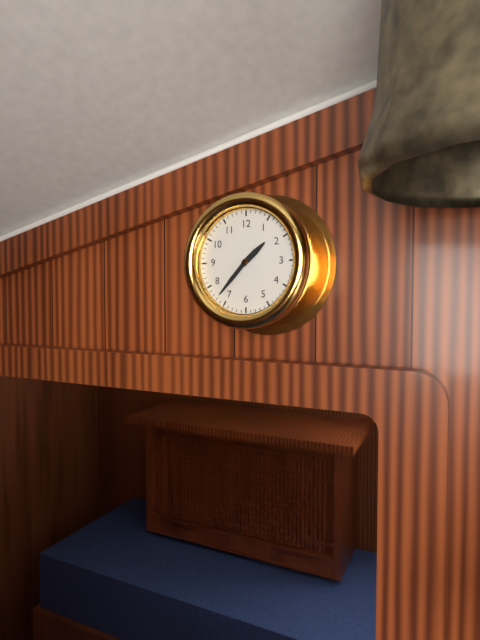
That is 1.37
